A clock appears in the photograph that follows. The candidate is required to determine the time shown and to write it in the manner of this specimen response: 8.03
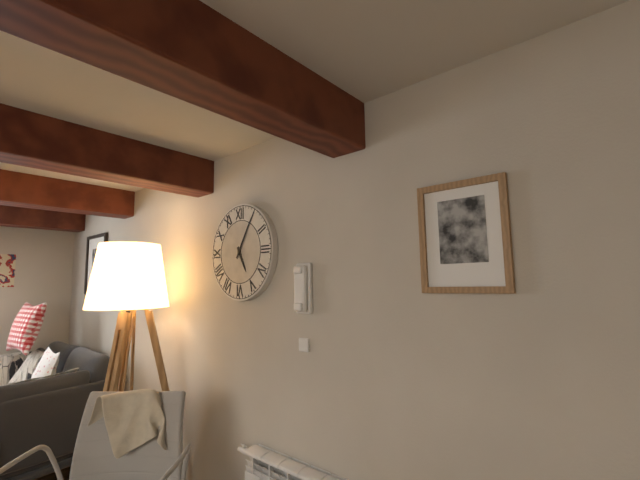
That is 5.05
